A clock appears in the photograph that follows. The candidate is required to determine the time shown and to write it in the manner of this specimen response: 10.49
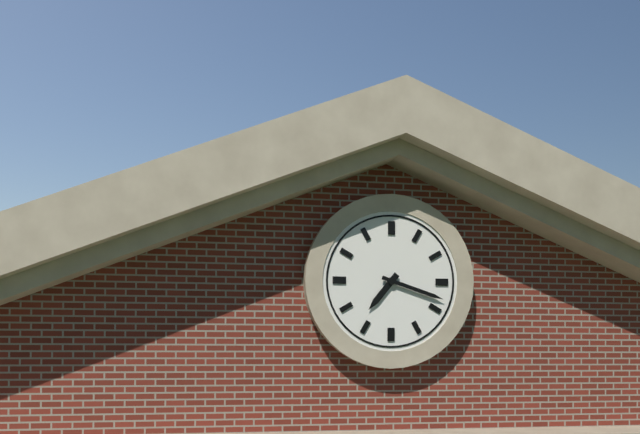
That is 7.18
